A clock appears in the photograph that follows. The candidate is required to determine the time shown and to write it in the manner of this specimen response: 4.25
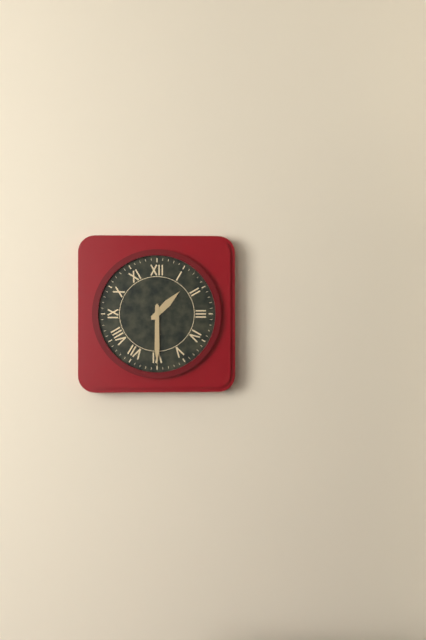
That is 1.30
